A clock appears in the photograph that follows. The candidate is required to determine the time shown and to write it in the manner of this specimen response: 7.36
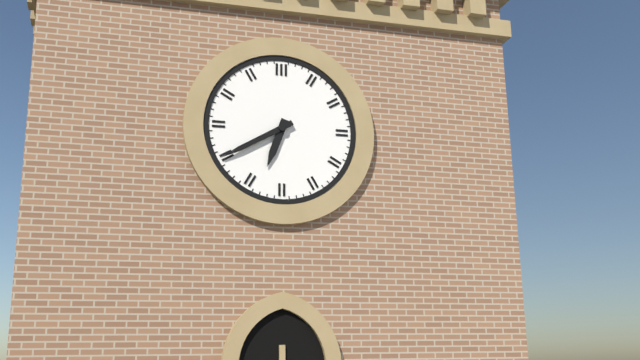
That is 6.40
